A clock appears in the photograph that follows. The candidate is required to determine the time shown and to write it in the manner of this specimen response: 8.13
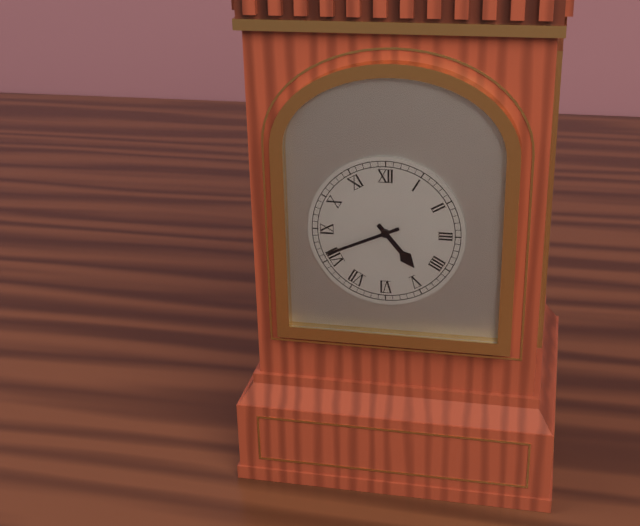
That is 4.41
